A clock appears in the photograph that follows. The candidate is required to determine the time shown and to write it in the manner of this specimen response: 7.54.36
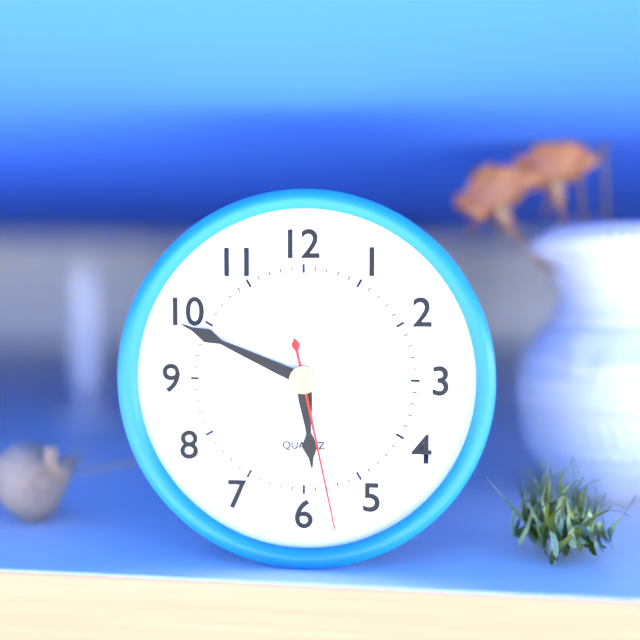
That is 5.49.28
